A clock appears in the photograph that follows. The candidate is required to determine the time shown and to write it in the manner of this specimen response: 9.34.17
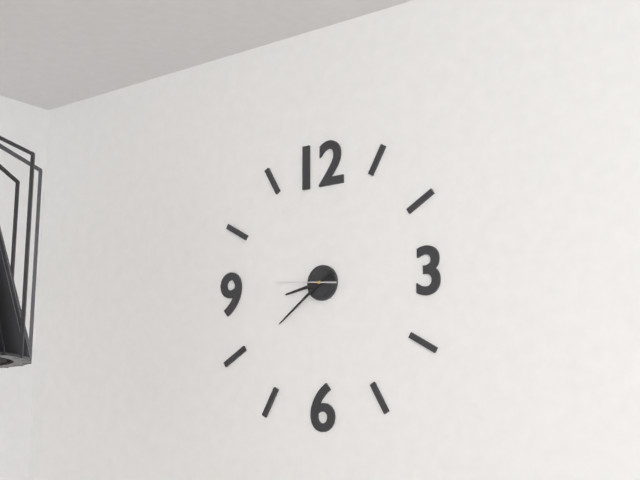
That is 8.39.46
